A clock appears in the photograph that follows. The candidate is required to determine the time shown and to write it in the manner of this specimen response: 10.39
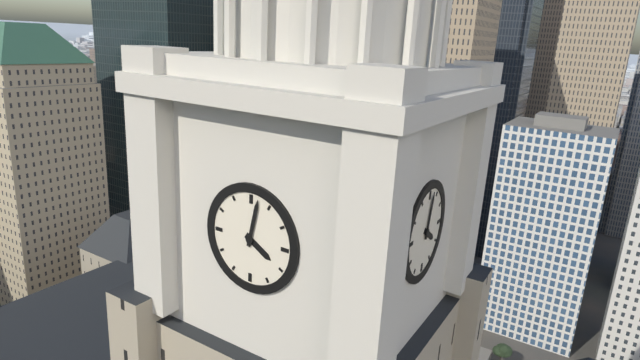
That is 4.02
